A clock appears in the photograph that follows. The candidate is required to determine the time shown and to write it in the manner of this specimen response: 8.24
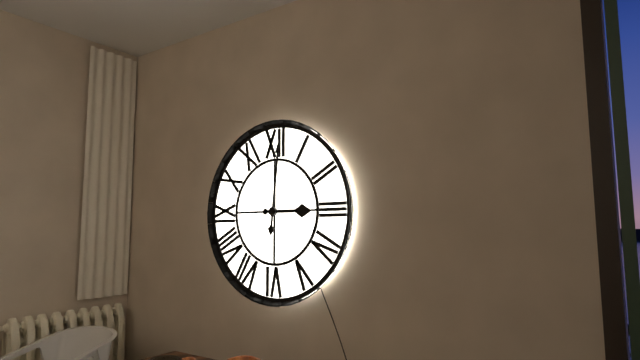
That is 3.01
